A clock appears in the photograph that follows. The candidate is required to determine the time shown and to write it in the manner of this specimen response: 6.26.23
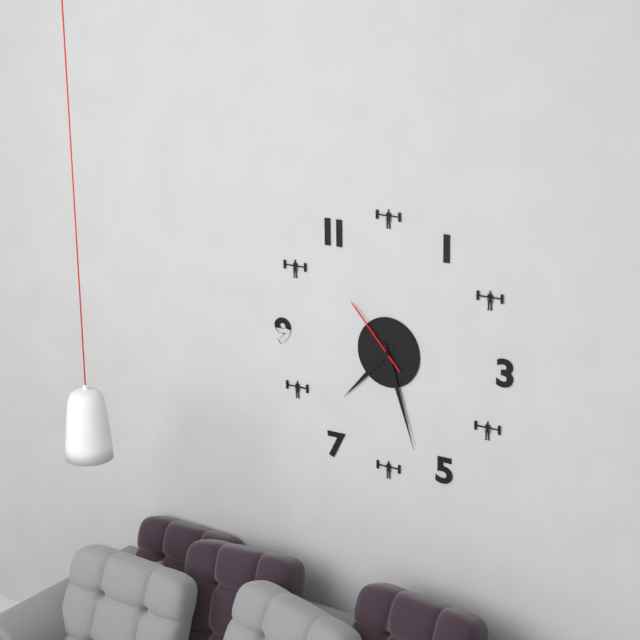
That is 7.27.53
